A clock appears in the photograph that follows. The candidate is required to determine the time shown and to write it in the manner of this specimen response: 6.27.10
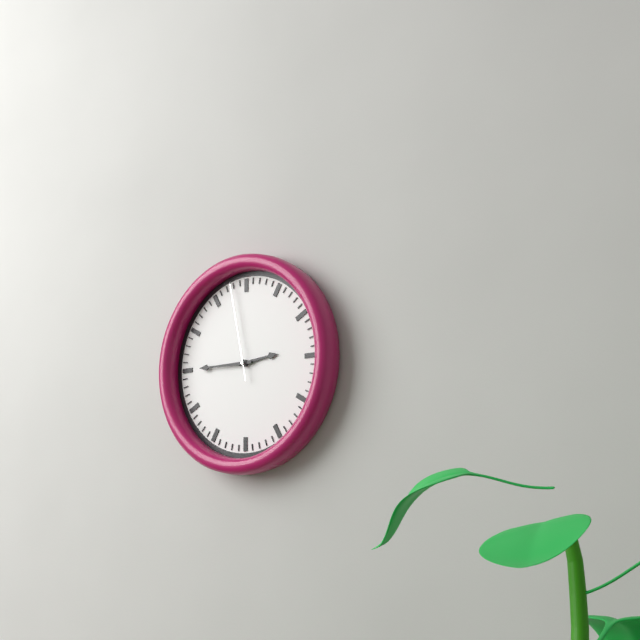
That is 2.45.58
